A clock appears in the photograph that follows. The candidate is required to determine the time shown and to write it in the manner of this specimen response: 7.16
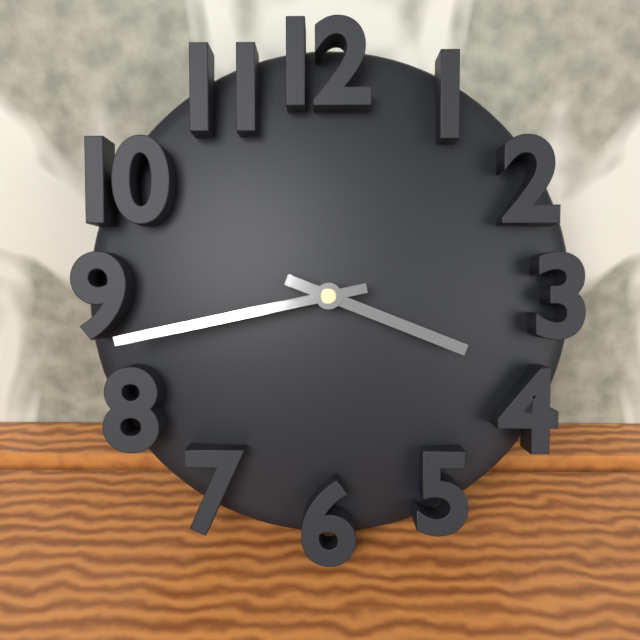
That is 3.43
